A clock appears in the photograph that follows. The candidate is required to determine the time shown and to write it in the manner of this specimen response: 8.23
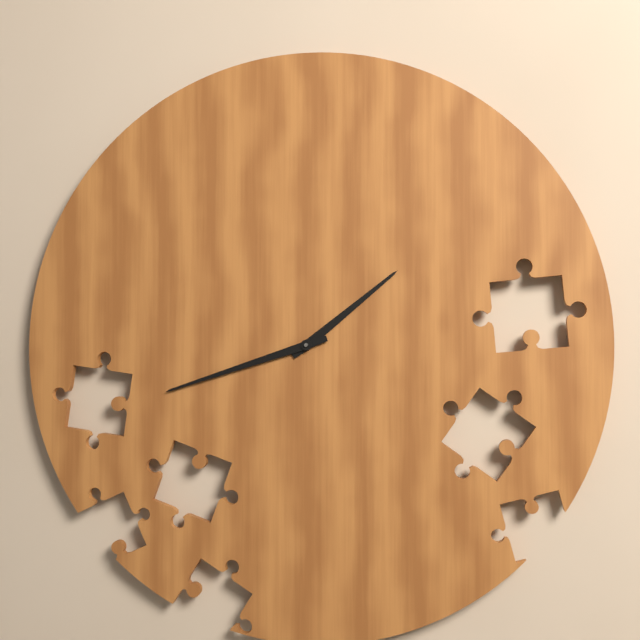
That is 1.42
